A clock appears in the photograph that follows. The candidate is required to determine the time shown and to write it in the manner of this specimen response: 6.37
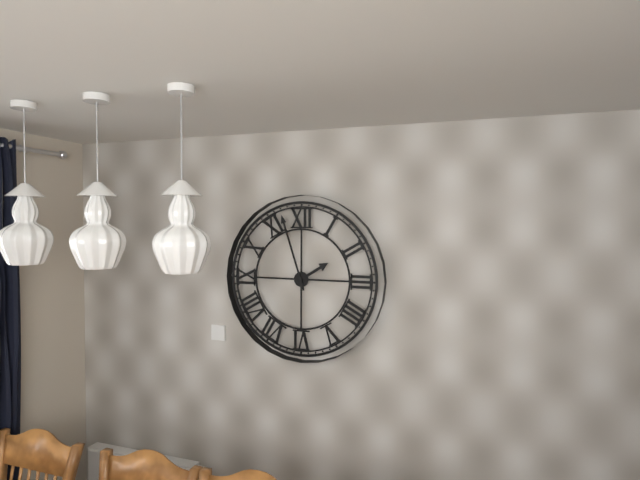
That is 1.57
